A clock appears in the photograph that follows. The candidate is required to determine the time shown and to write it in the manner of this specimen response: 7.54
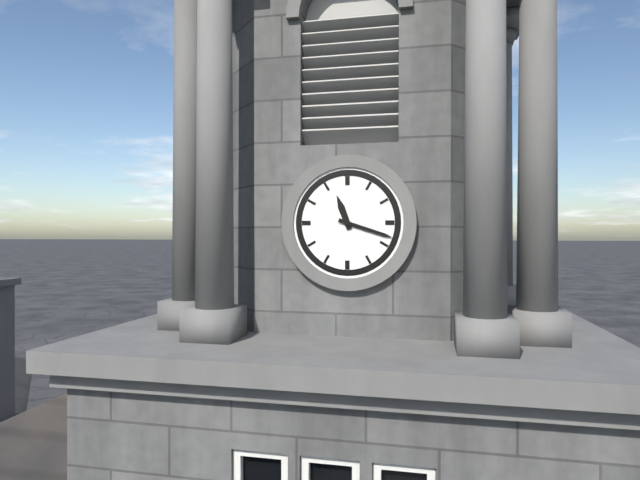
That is 11.18
